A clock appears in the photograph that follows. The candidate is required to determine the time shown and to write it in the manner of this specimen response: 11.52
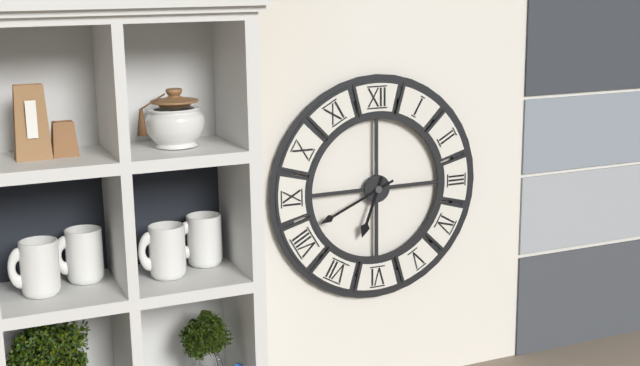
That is 6.41
